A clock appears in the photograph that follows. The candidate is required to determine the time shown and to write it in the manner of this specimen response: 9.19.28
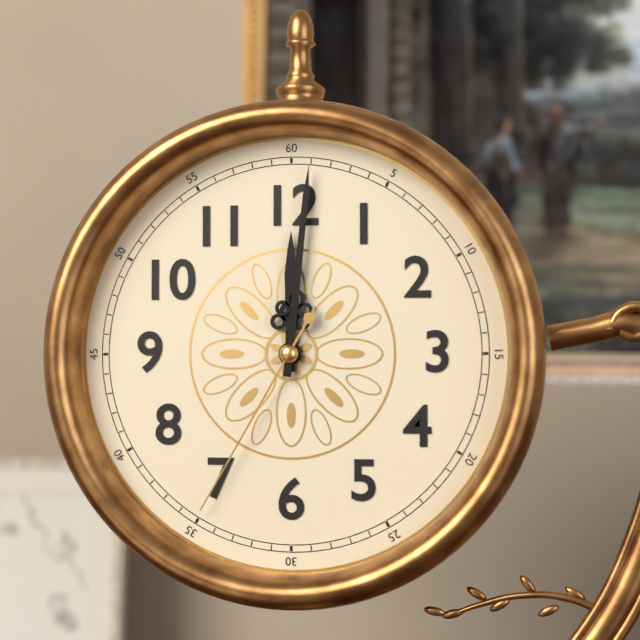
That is 12.01.35
